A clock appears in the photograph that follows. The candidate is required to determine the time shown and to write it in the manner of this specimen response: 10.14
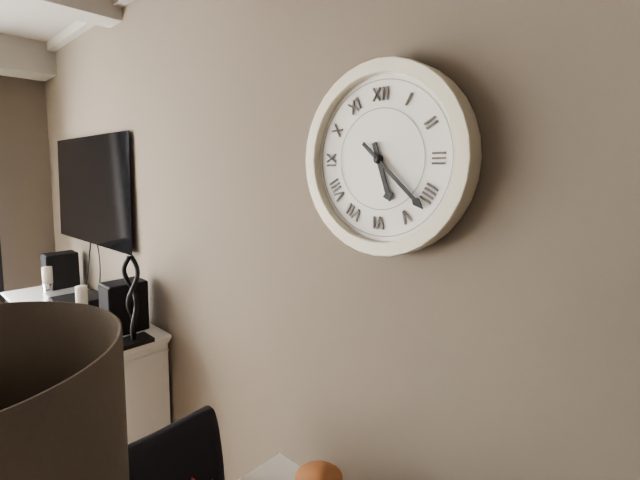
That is 5.22
